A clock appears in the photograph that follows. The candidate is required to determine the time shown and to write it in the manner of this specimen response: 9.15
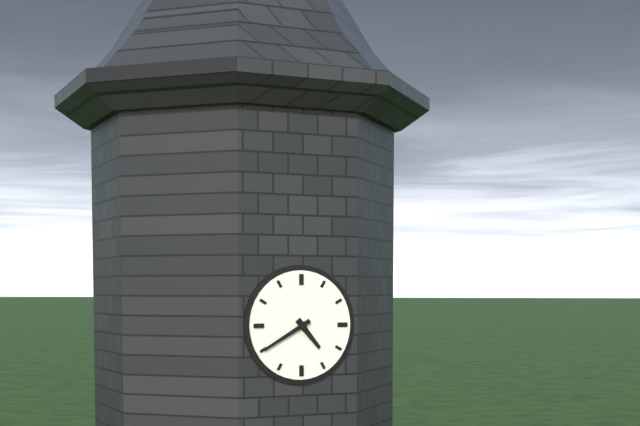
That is 4.40
